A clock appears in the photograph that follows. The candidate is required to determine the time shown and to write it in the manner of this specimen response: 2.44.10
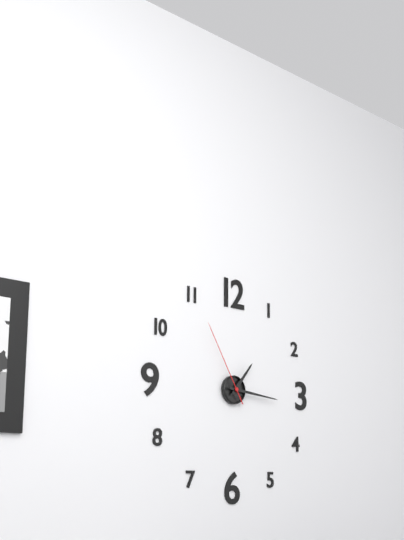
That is 1.16.55
